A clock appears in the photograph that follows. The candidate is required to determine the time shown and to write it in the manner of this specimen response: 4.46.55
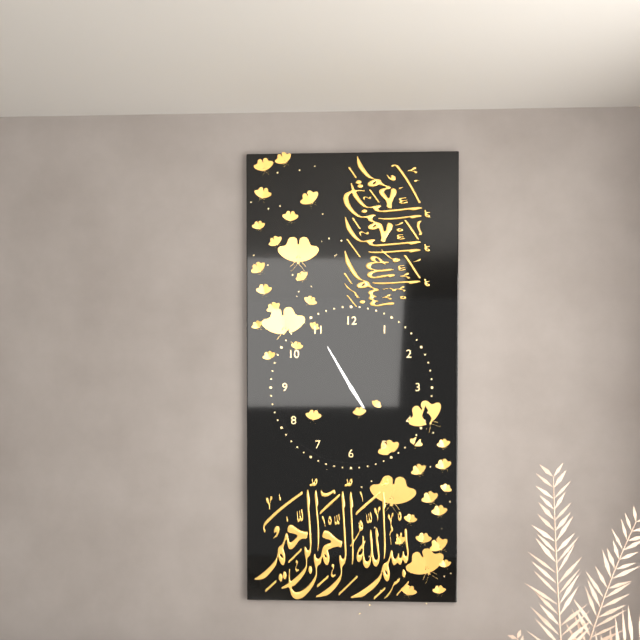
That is 4.55.55
